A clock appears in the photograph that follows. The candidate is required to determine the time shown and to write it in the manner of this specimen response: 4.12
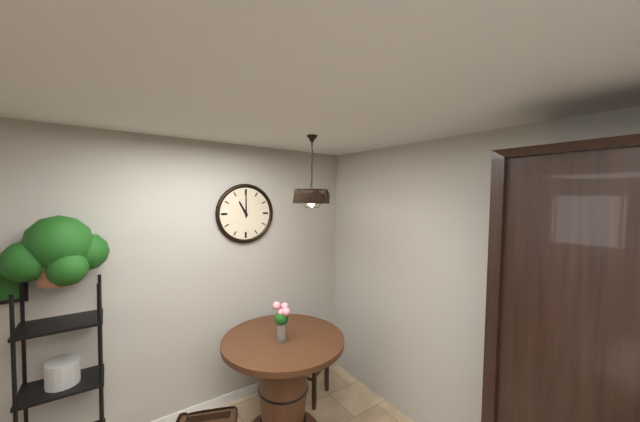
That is 11.00
